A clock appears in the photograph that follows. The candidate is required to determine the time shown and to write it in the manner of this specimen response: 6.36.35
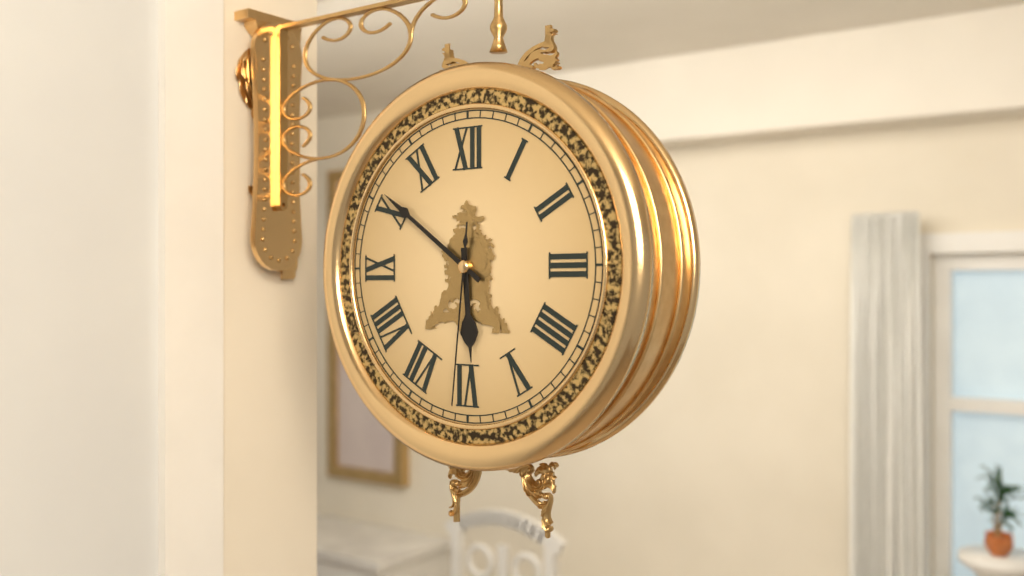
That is 5.51.31
